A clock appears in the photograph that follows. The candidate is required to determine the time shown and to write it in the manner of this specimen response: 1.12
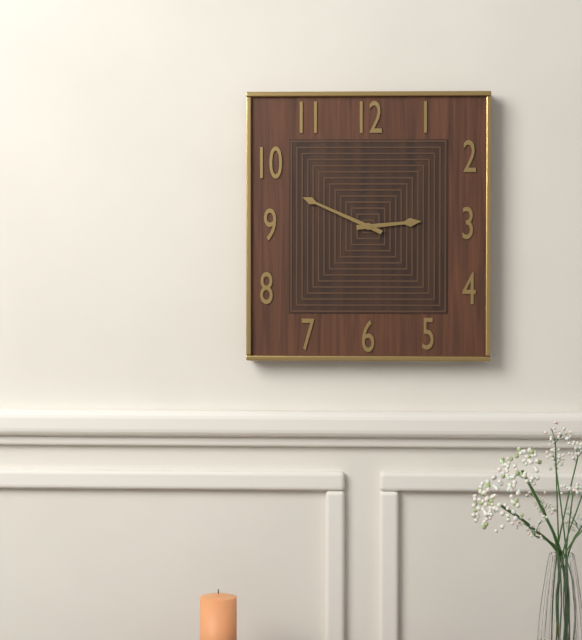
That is 2.49
